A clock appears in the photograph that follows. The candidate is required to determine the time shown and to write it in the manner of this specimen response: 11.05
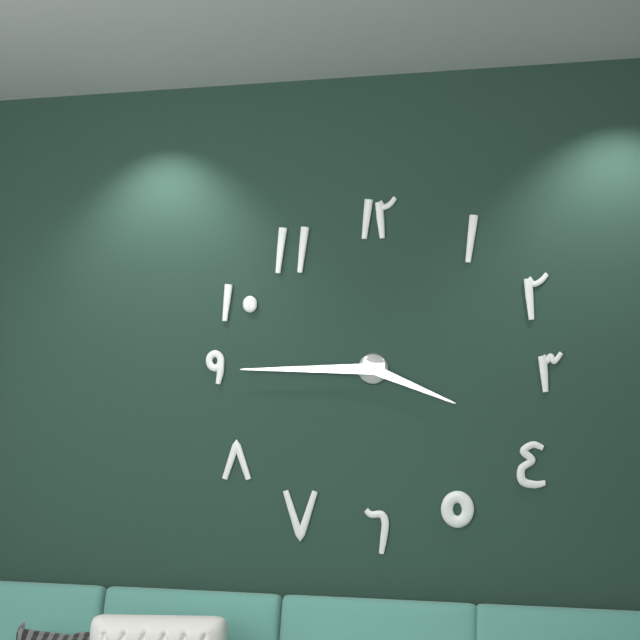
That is 3.45
